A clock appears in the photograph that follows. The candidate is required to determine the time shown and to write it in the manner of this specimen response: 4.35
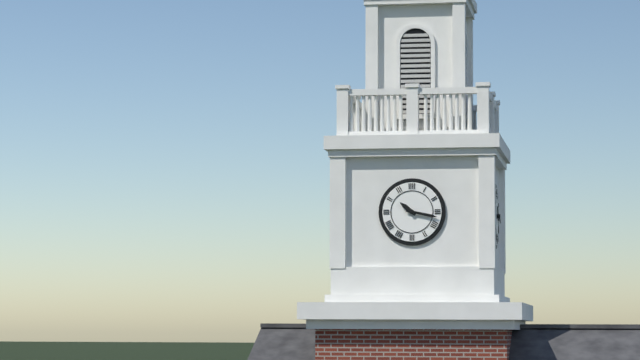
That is 10.17
